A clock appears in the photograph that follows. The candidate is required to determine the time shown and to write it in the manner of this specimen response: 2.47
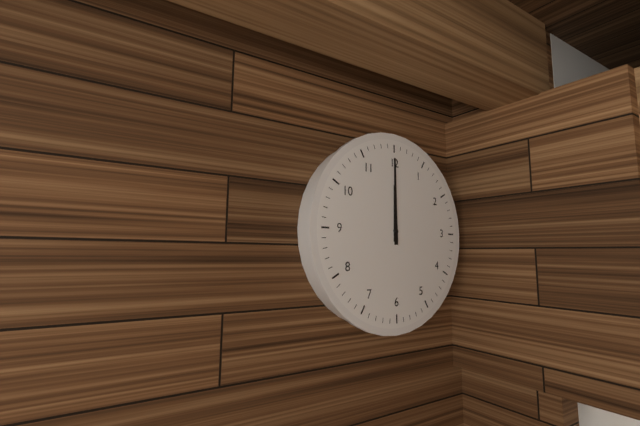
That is 12.00
